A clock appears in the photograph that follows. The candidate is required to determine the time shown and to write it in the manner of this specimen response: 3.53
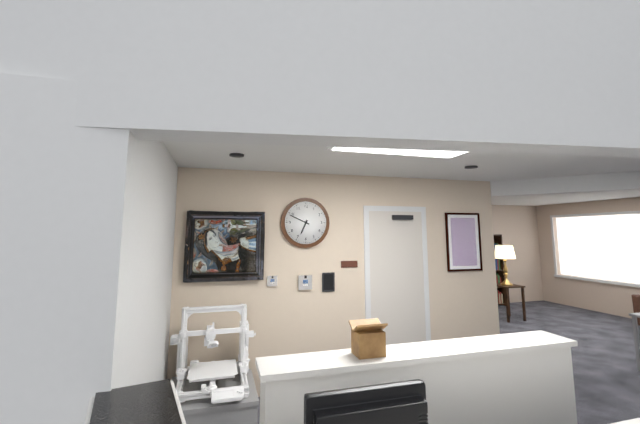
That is 6.49
